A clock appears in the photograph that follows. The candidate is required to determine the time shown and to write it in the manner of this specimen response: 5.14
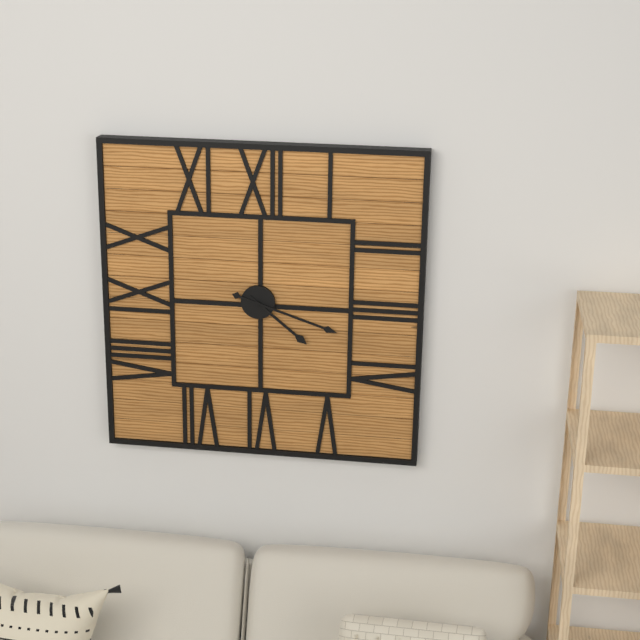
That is 4.18
